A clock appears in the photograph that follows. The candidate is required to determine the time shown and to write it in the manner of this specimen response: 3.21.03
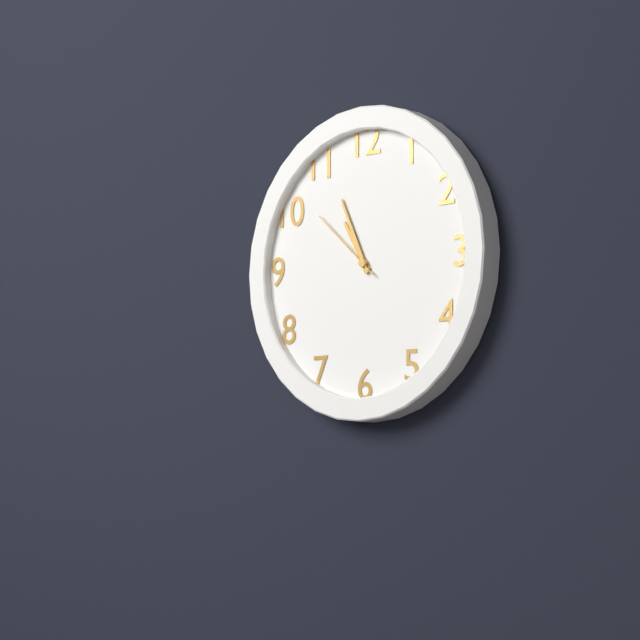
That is 10.56.52
